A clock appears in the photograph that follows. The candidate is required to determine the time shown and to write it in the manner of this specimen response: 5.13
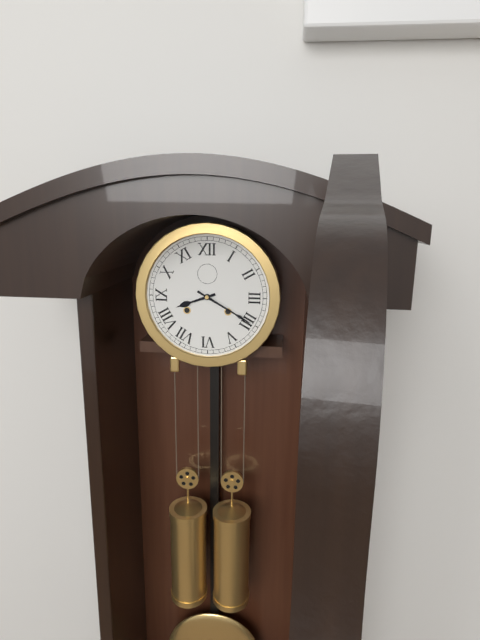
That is 8.20
